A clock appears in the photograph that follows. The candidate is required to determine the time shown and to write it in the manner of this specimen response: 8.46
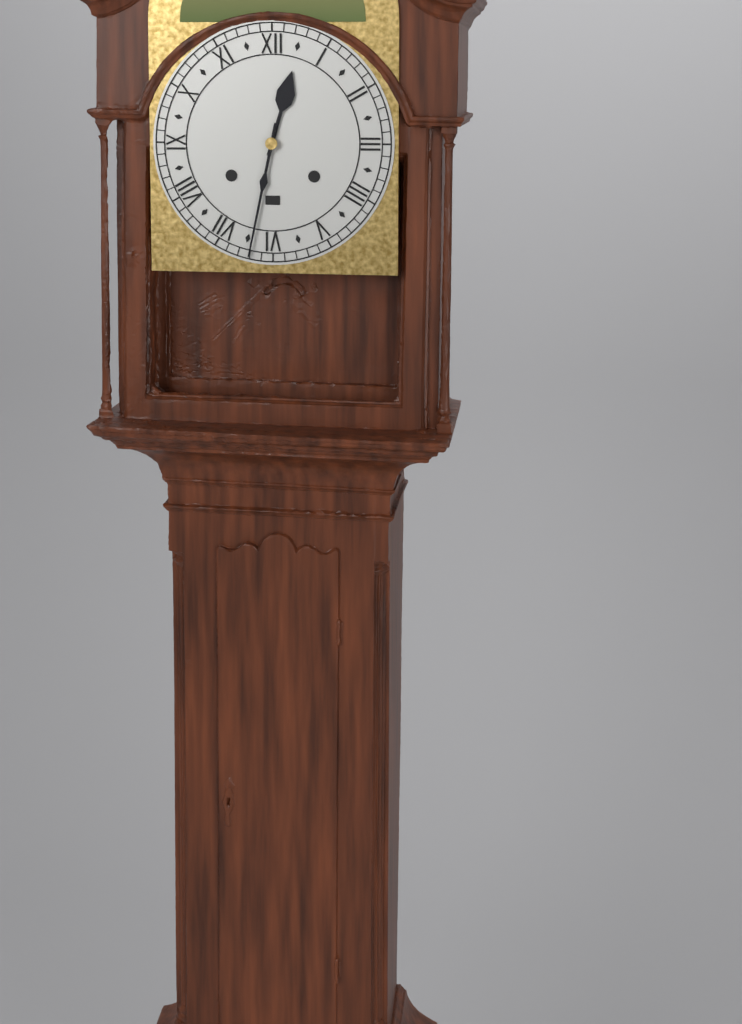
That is 12.32
